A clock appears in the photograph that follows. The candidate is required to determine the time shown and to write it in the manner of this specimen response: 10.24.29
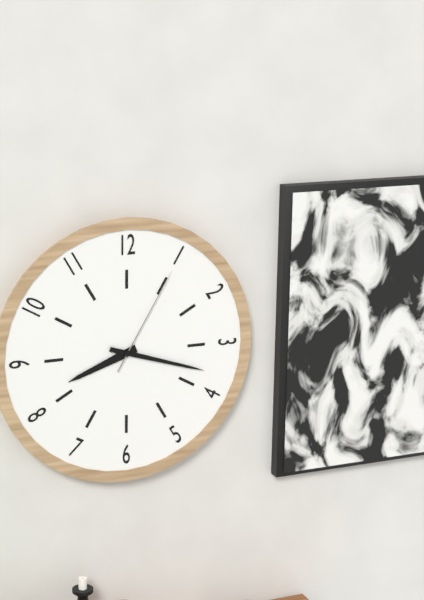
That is 8.18.05
